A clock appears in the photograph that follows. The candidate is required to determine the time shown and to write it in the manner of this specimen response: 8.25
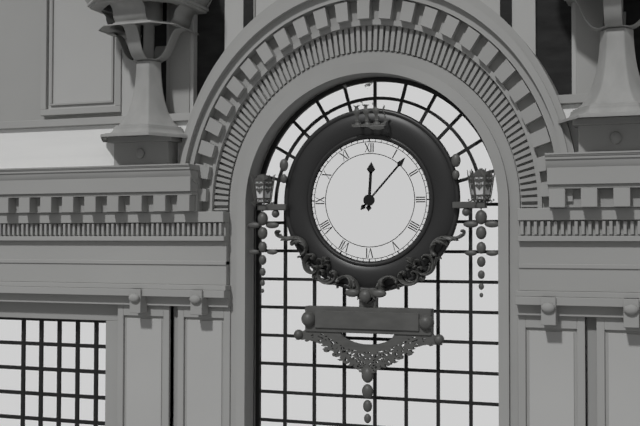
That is 12.07
